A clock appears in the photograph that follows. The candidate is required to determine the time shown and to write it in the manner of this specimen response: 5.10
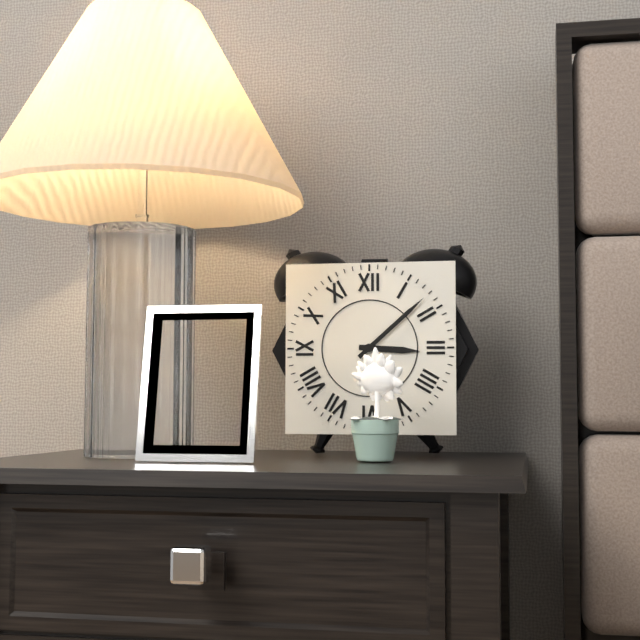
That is 3.08
